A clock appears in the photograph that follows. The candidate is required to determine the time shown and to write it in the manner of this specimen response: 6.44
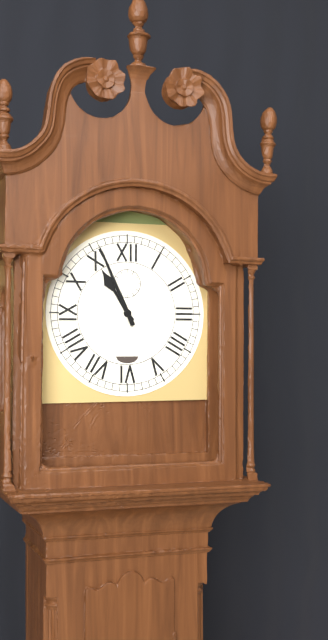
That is 10.56
